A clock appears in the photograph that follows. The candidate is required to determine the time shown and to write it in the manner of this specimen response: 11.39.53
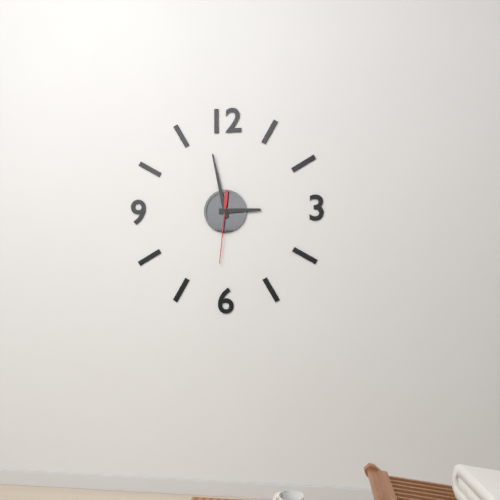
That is 2.58.31
